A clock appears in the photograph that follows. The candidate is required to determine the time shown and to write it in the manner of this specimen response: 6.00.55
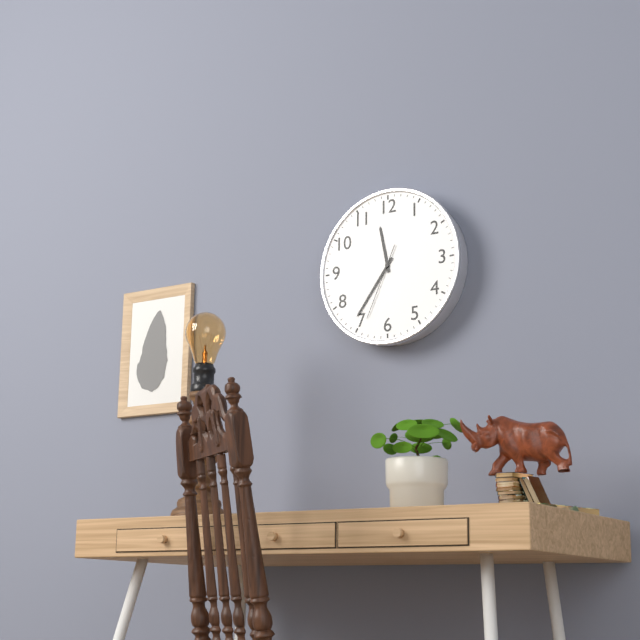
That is 11.36.34
